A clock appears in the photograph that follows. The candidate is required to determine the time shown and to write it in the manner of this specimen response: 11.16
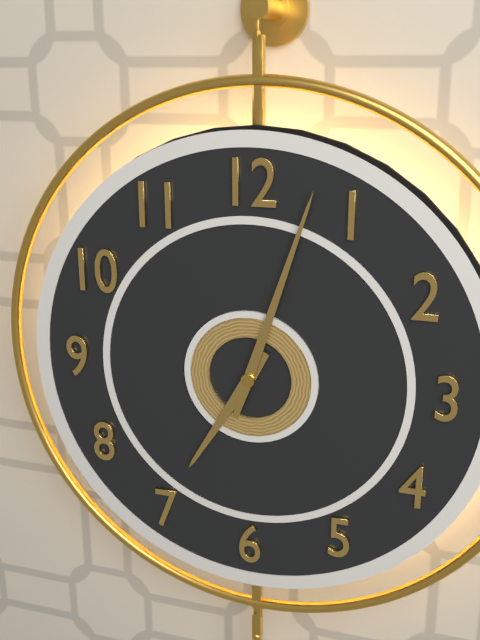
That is 7.03
